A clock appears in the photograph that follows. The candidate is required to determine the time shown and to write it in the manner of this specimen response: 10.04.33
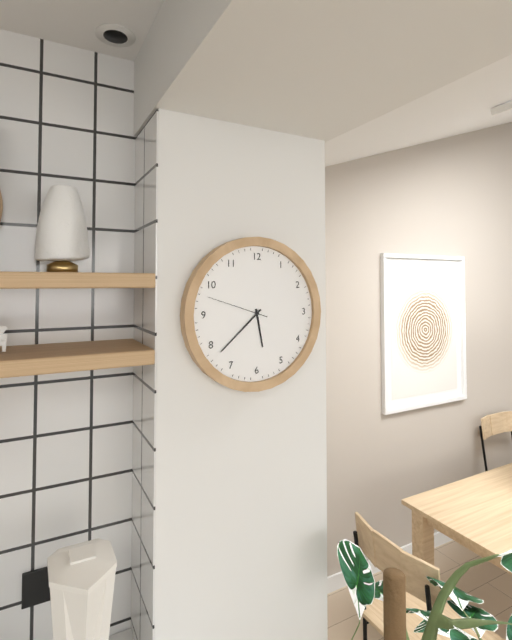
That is 5.38.48
